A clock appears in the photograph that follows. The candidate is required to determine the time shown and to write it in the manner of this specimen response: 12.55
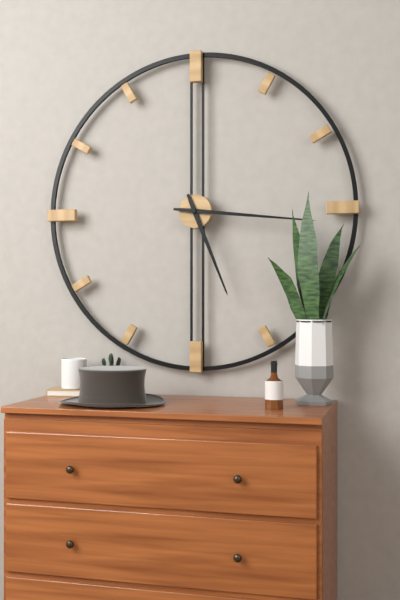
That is 5.16
